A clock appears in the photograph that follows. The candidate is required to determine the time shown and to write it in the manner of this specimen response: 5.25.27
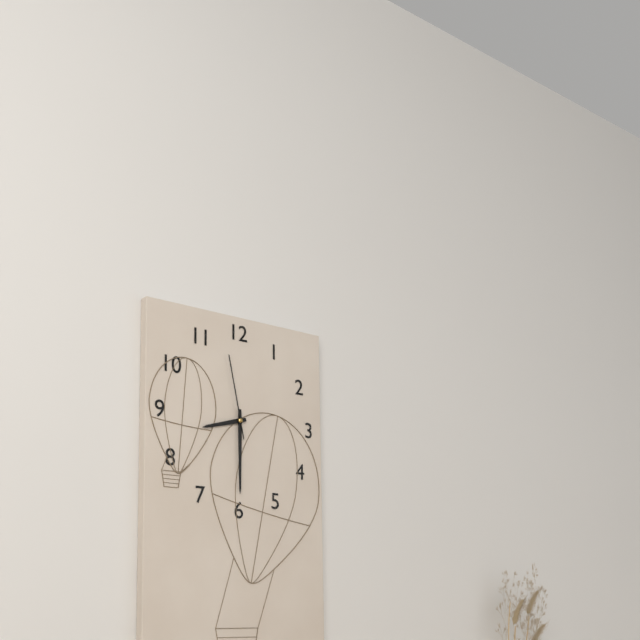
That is 8.30.58
